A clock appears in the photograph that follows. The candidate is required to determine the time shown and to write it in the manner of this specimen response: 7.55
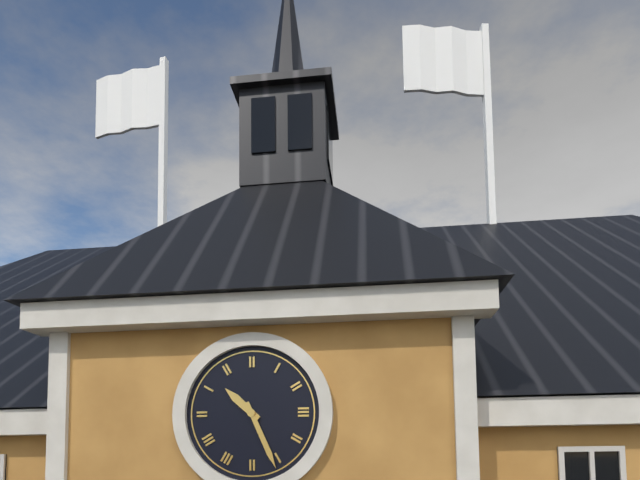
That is 10.26
